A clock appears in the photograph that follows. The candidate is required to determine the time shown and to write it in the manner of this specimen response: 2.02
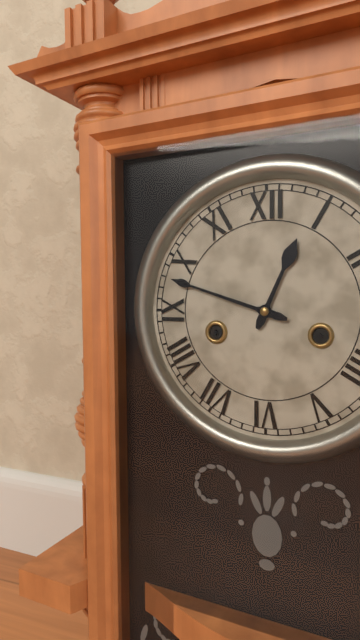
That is 12.48
